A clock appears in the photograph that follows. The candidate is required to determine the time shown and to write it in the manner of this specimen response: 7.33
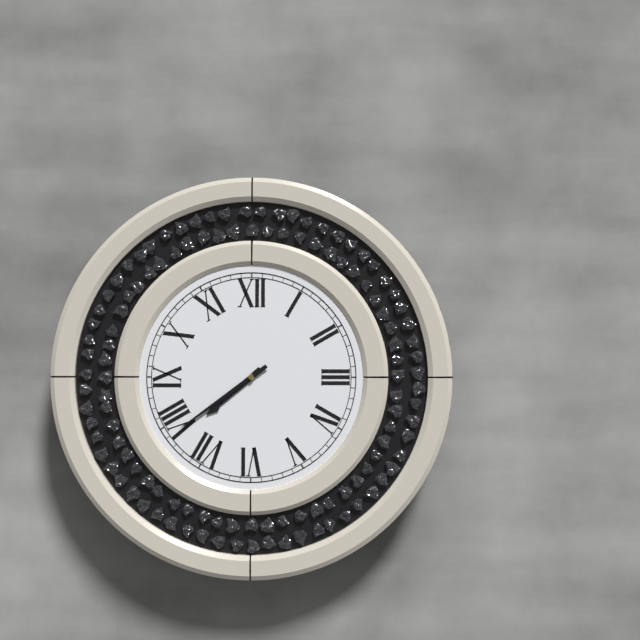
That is 7.39
